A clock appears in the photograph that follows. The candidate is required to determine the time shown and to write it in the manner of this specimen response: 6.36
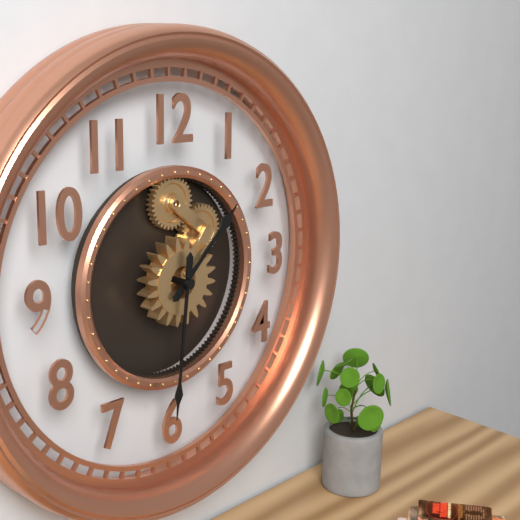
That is 1.31
